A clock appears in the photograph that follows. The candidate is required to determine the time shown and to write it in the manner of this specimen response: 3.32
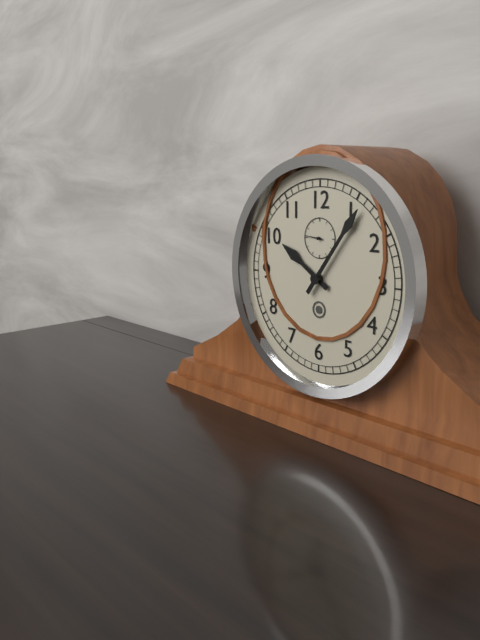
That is 10.06
